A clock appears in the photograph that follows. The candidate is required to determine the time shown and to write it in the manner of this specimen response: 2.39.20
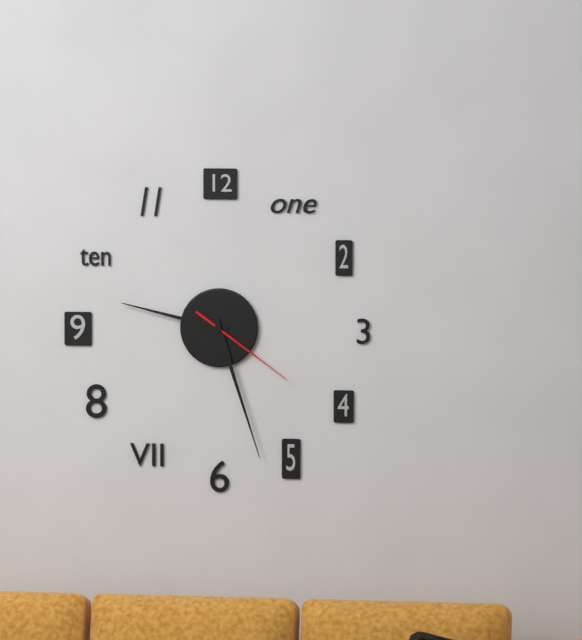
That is 9.27.21
